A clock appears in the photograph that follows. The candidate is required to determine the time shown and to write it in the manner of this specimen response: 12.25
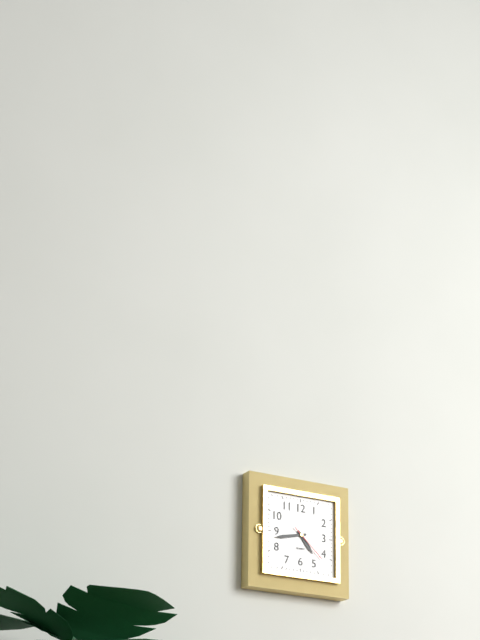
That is 4.43
